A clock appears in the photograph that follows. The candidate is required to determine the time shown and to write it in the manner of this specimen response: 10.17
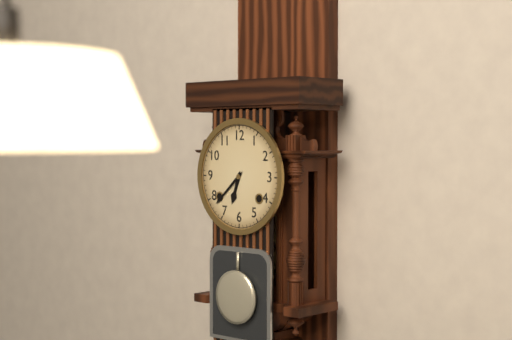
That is 6.38
